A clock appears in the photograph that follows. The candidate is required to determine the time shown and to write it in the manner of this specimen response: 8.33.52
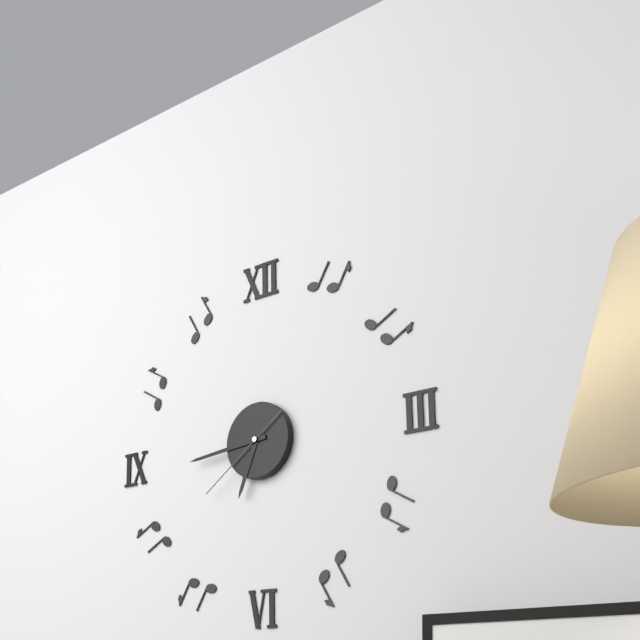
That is 6.44.39
